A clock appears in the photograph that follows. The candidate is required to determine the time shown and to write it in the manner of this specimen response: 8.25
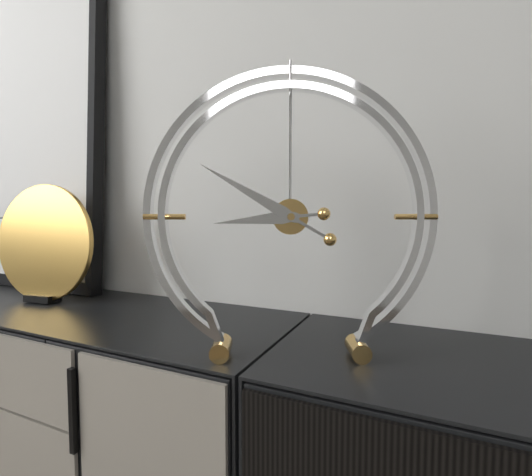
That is 8.50
